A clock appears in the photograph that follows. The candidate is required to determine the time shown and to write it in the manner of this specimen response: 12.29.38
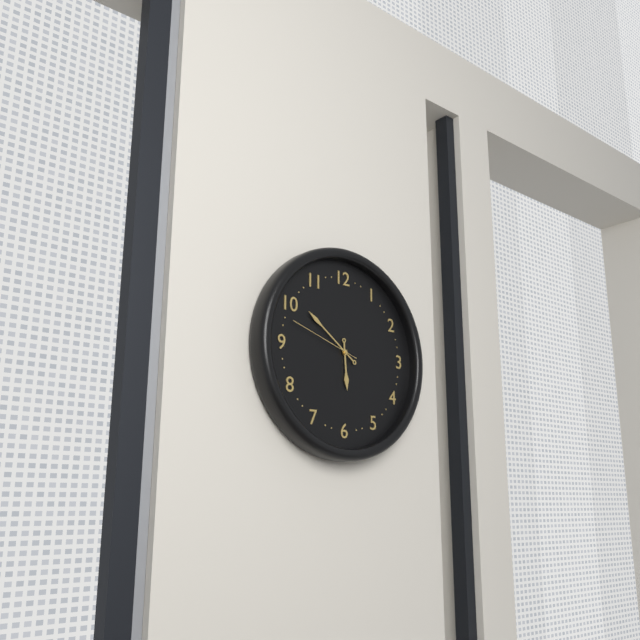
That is 5.51.48
